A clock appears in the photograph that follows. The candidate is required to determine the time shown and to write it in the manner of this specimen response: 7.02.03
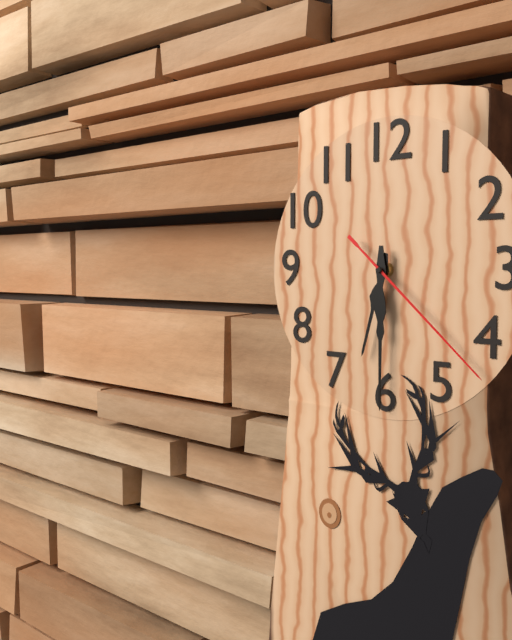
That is 6.30.22
